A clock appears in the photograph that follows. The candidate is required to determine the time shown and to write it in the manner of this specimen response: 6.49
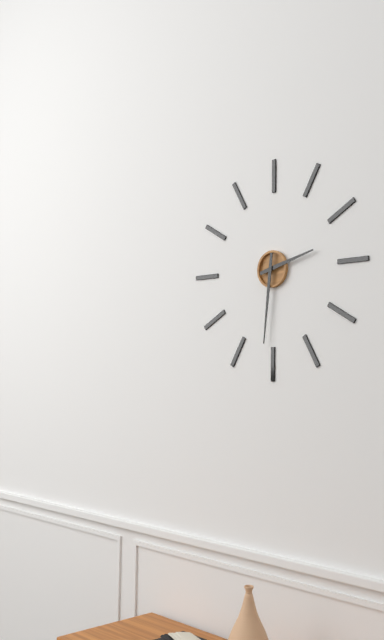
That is 2.31
